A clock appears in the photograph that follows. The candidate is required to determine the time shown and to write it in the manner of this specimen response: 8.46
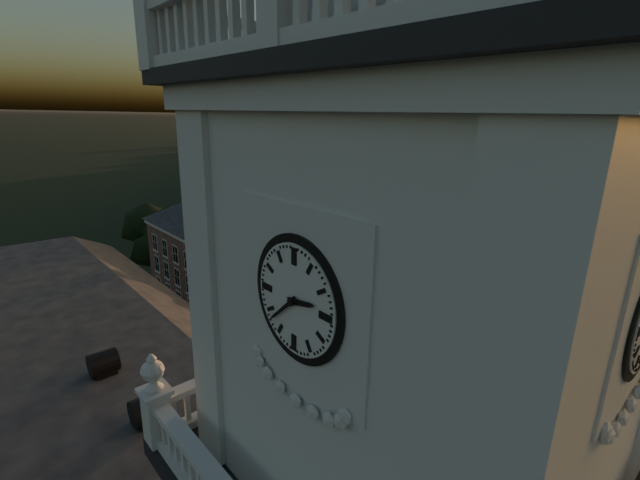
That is 2.38
